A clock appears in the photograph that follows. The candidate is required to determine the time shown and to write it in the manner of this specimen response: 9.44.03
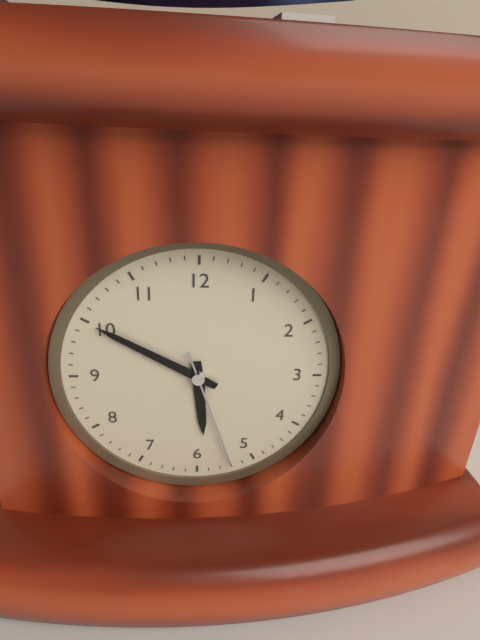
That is 5.50.27
